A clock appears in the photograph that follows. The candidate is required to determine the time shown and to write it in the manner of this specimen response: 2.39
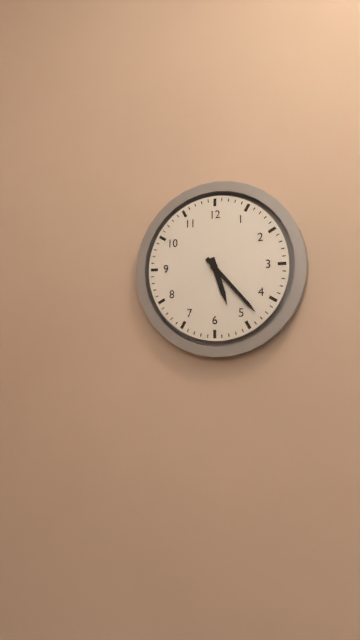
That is 5.23
